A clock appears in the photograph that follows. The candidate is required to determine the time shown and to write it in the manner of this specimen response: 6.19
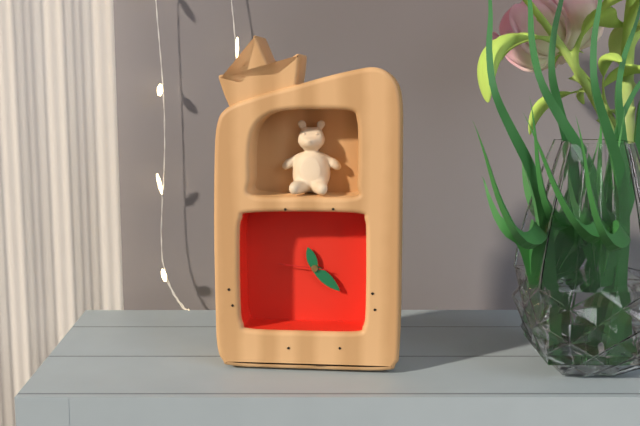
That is 11.22
